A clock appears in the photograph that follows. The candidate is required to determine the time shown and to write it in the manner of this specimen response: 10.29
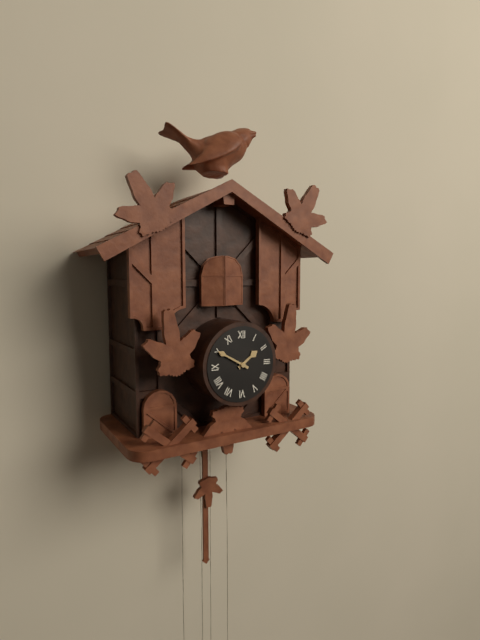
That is 1.50
